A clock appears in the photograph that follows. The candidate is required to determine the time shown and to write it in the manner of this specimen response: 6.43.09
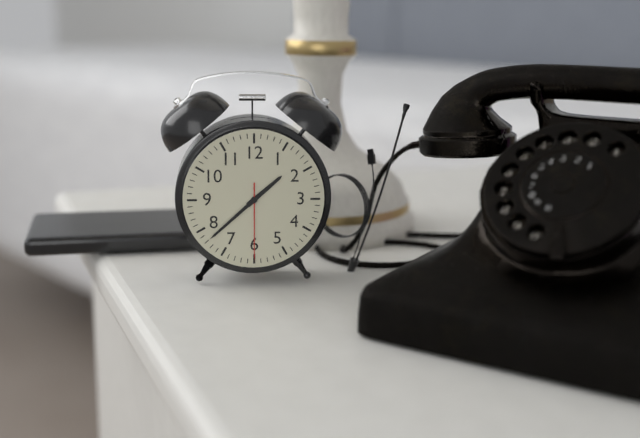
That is 1.38.30
